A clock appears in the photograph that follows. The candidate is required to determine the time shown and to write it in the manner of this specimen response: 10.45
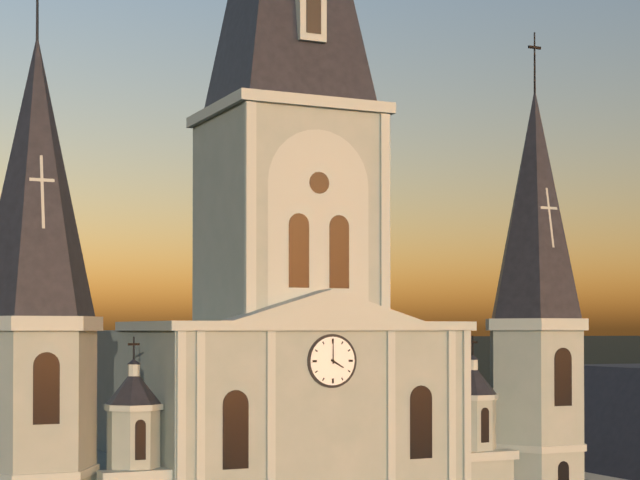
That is 4.00
